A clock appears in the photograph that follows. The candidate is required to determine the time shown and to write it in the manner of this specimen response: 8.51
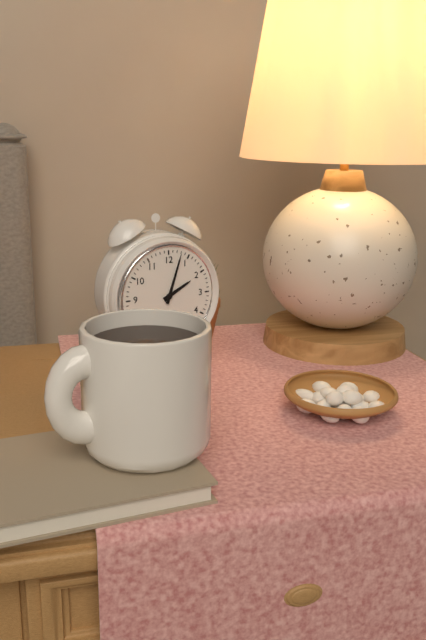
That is 2.03
